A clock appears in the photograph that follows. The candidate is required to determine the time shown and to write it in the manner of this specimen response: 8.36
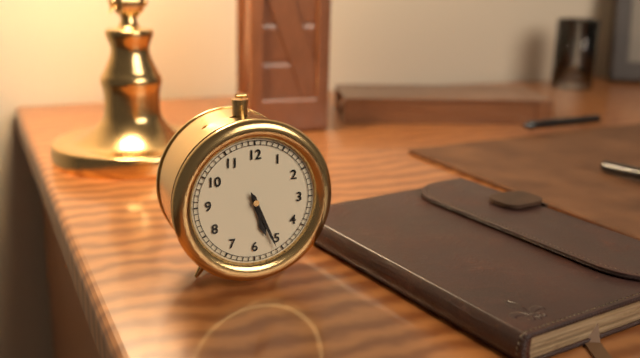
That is 5.26
